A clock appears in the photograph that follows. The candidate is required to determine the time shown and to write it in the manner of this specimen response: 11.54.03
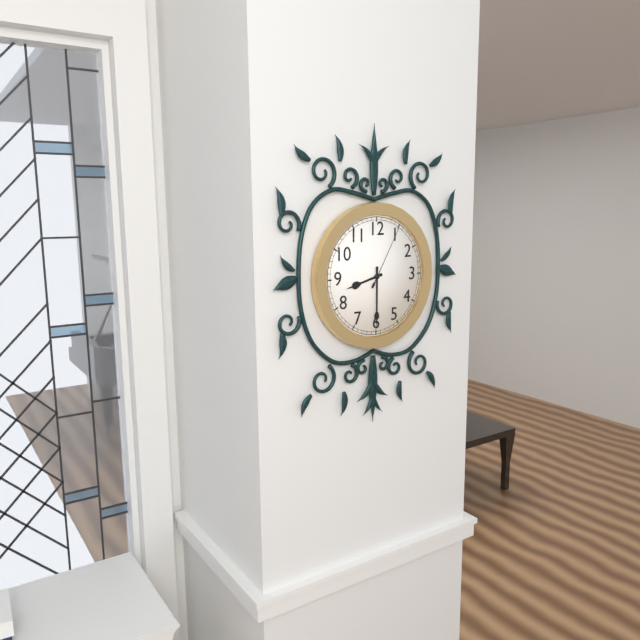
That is 8.30.05
